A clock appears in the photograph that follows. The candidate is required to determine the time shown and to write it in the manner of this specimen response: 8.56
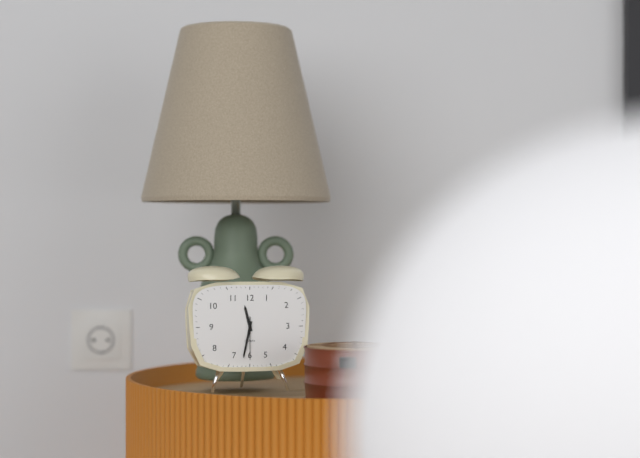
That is 11.32
